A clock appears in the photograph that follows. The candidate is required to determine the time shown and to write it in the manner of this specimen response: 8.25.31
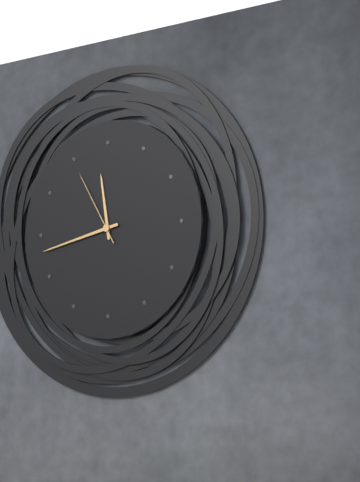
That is 11.43.55
